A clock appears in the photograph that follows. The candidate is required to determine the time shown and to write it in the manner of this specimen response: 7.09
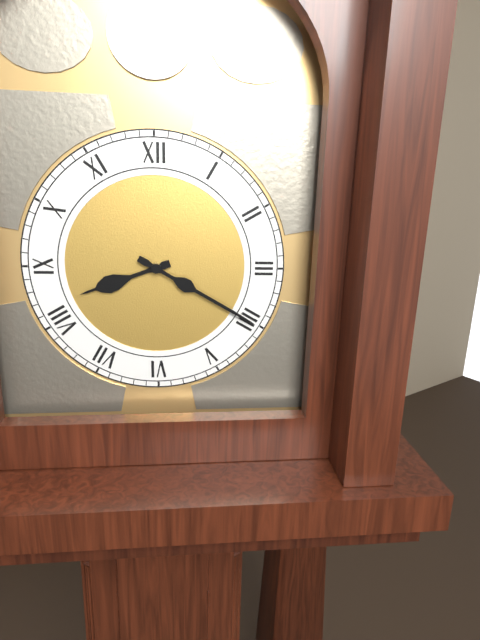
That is 8.20
